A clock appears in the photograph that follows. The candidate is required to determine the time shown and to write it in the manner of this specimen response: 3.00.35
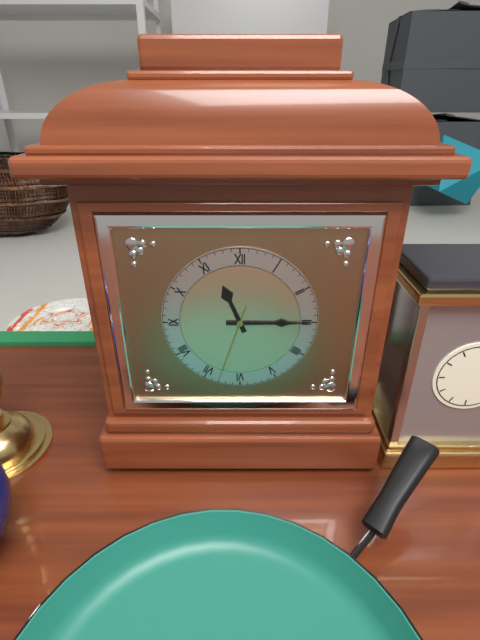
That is 11.15.33
